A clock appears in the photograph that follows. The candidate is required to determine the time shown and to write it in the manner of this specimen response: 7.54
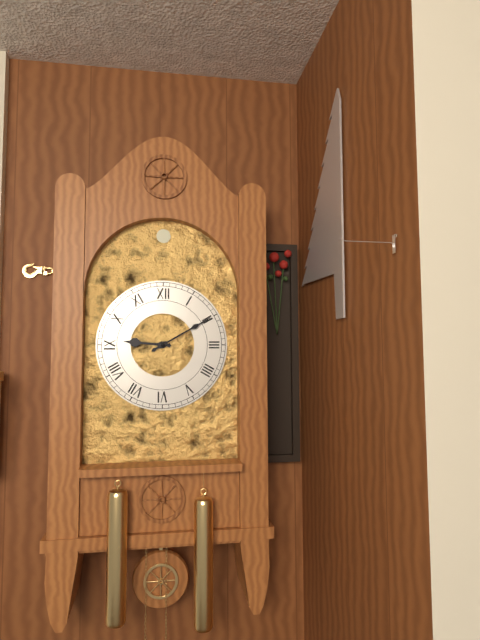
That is 9.10
